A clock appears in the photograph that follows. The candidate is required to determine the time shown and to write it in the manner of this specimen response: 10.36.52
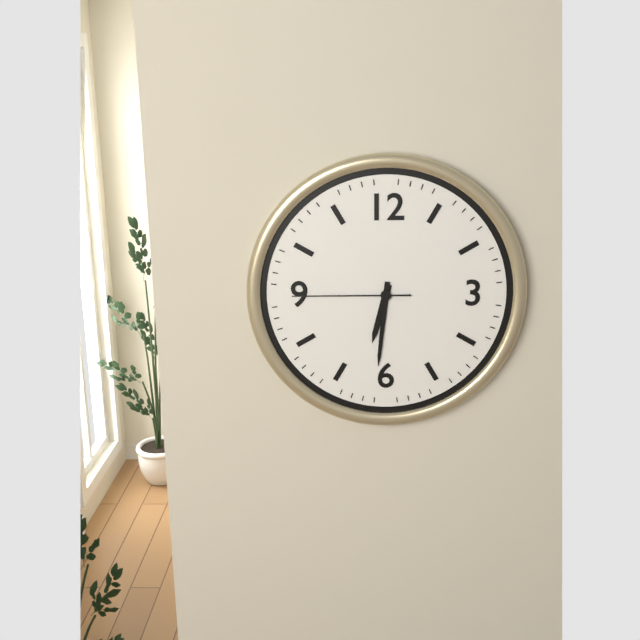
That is 6.31.45
